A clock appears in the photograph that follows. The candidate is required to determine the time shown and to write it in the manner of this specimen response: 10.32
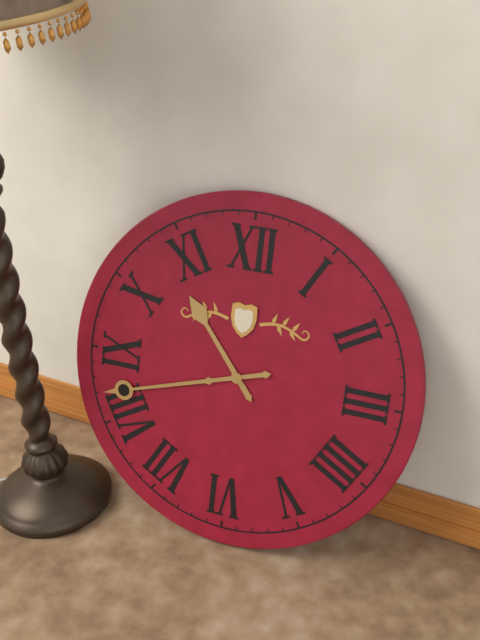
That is 10.42
